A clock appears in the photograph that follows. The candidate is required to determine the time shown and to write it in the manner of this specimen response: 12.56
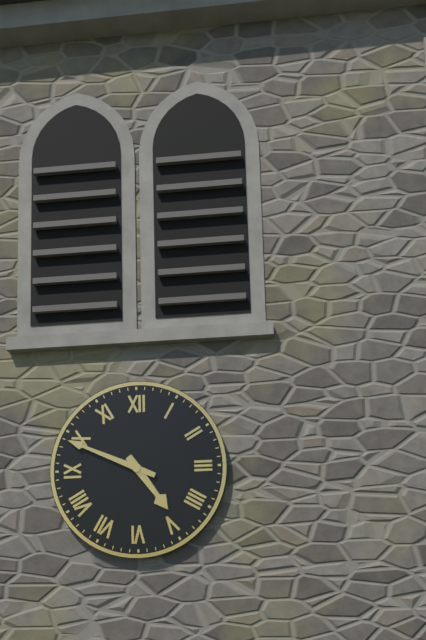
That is 4.49
